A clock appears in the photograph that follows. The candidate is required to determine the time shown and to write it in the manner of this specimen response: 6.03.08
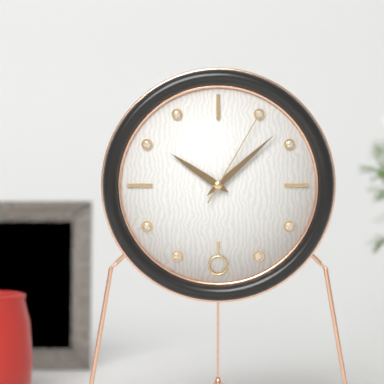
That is 10.08.05
